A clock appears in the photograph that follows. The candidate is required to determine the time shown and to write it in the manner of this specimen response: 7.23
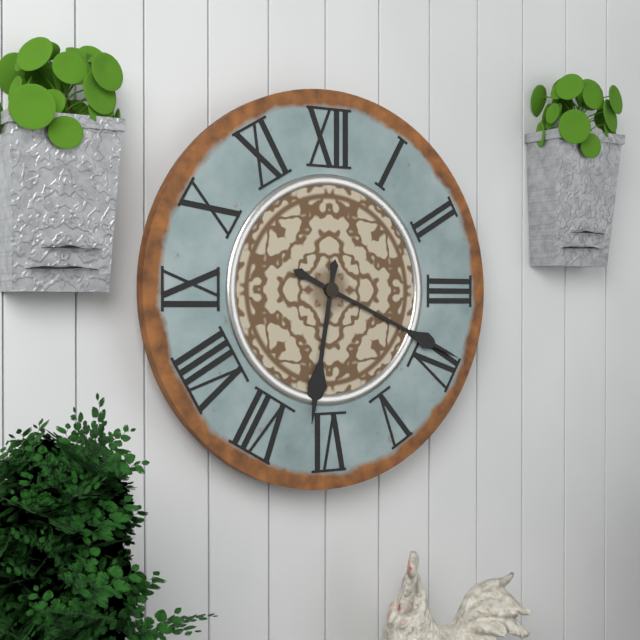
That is 6.19
